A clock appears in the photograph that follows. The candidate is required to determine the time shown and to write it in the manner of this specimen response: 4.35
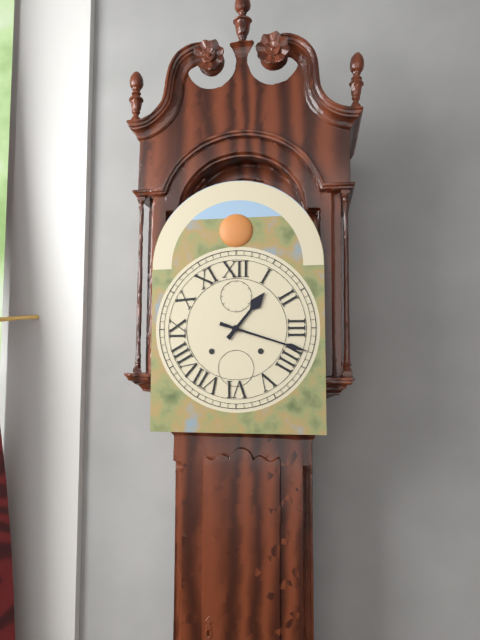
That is 1.18
